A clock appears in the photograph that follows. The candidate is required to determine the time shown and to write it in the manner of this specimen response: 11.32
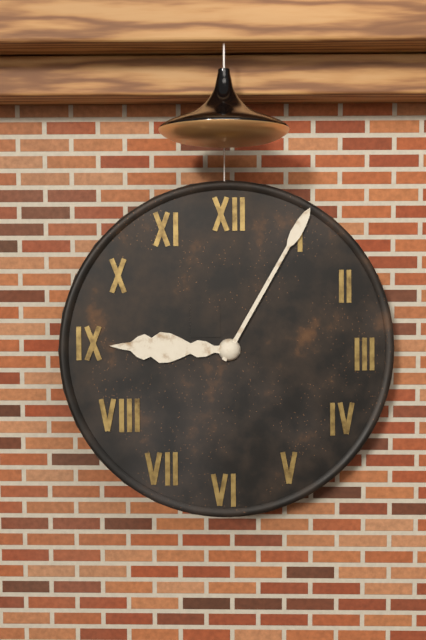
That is 9.05
